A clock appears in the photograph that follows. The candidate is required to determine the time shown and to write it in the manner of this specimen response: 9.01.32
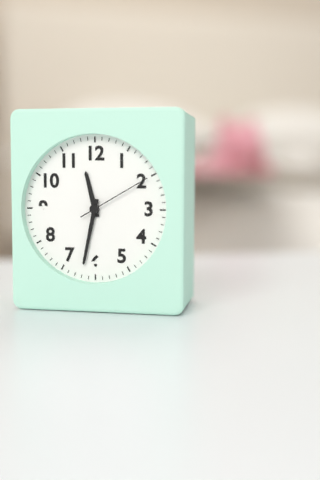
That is 11.32.10
